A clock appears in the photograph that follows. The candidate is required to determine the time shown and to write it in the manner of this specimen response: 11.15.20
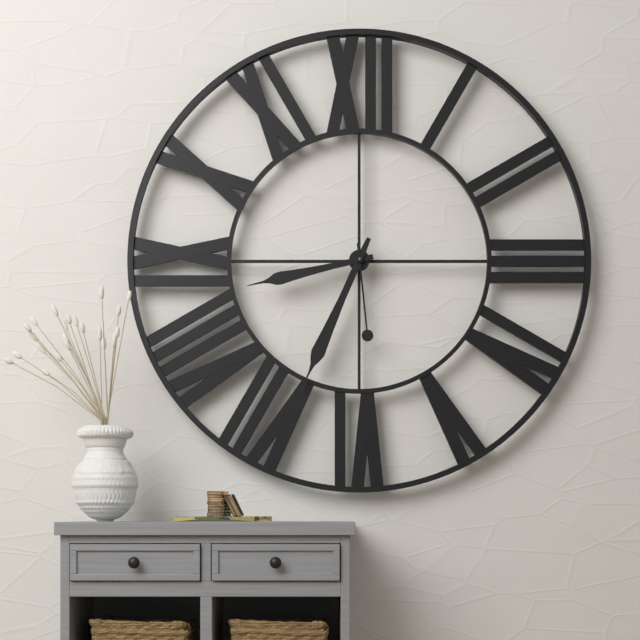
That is 8.34.29
